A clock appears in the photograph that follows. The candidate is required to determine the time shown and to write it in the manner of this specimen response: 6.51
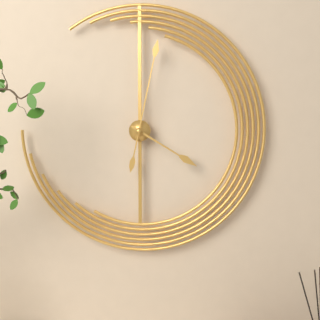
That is 4.02
